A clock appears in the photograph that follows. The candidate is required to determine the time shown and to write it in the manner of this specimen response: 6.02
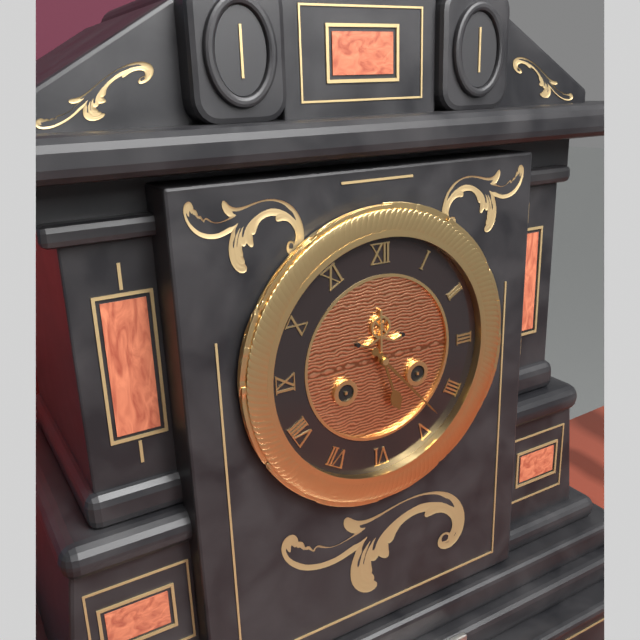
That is 5.23
